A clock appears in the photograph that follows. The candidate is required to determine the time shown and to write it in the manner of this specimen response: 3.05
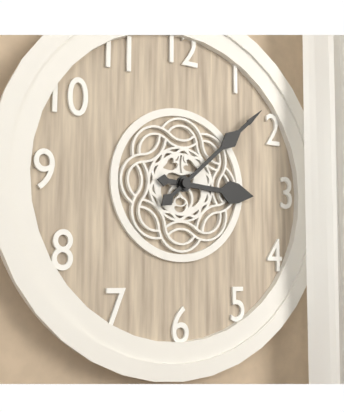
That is 3.08
